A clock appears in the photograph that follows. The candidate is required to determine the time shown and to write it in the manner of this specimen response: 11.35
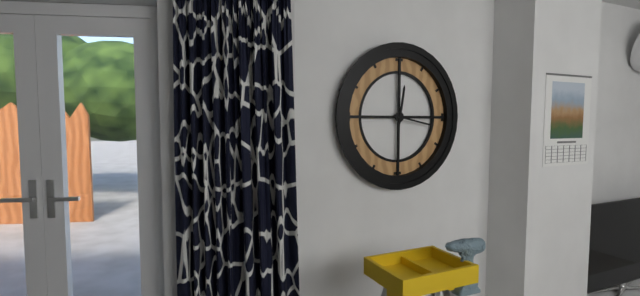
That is 12.17
